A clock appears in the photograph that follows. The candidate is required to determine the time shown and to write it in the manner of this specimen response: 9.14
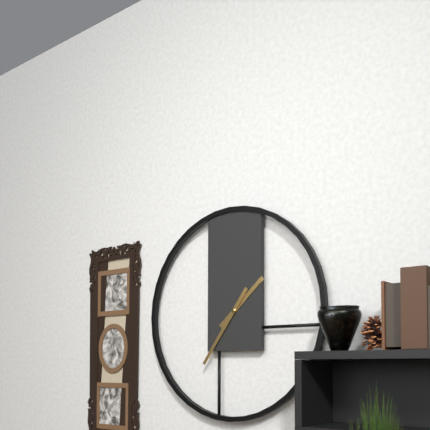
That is 1.36
